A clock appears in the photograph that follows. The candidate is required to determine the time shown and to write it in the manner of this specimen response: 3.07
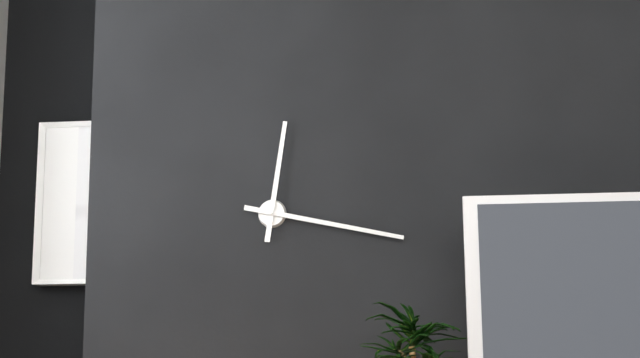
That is 12.17
